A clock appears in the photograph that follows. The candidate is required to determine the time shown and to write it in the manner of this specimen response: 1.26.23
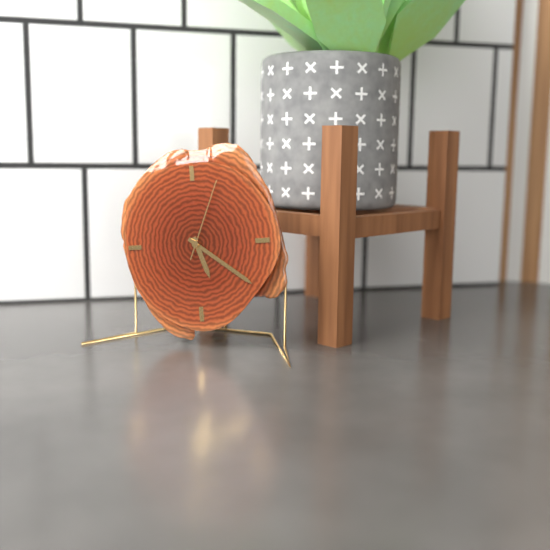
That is 5.21.04
